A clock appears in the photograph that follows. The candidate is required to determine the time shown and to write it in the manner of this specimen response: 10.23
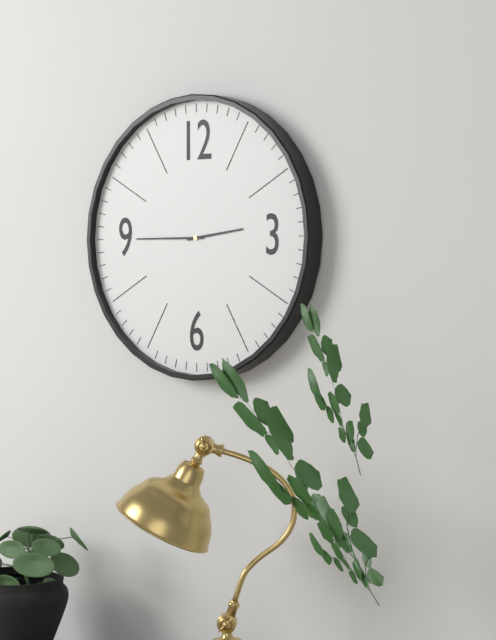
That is 2.45
